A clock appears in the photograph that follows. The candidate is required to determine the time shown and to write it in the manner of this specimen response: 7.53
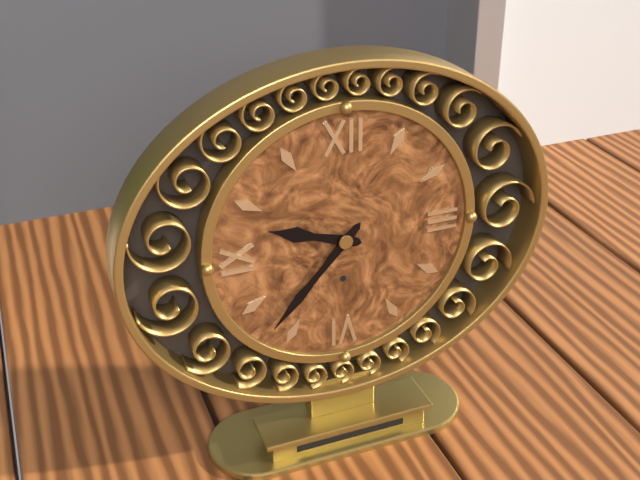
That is 9.37
